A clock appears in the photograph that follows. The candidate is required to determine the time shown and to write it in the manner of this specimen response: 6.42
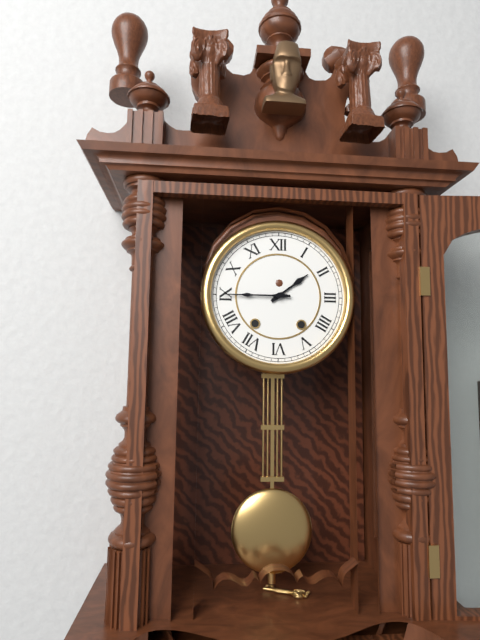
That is 1.45
